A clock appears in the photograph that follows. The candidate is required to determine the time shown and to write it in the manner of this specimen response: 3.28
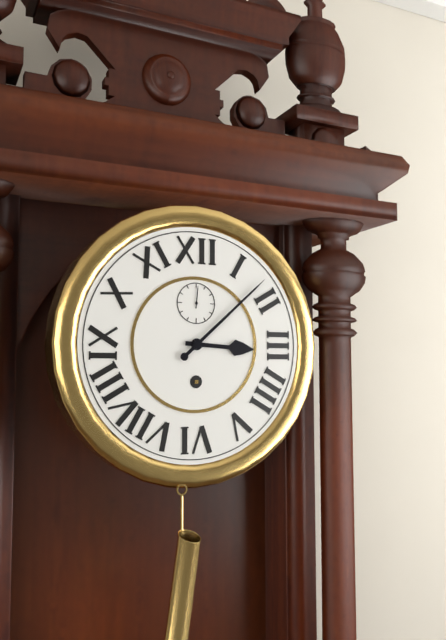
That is 3.08
